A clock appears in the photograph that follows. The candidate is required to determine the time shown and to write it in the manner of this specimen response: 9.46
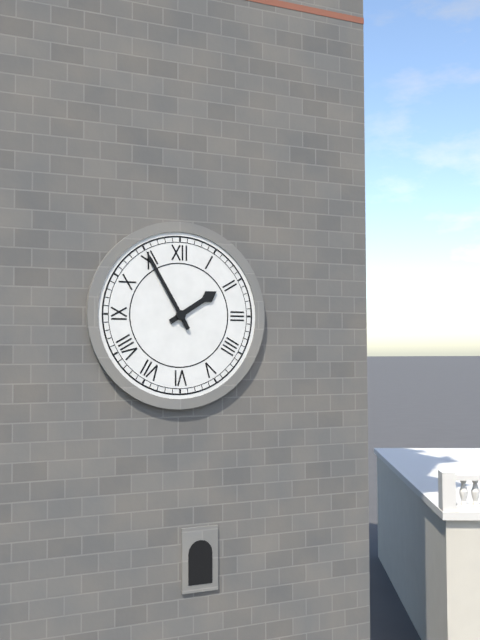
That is 1.55
